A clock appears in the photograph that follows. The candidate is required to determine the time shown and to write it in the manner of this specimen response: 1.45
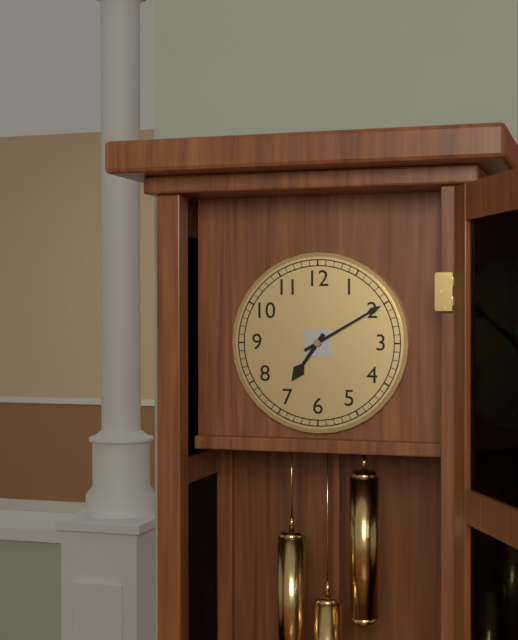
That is 7.10
